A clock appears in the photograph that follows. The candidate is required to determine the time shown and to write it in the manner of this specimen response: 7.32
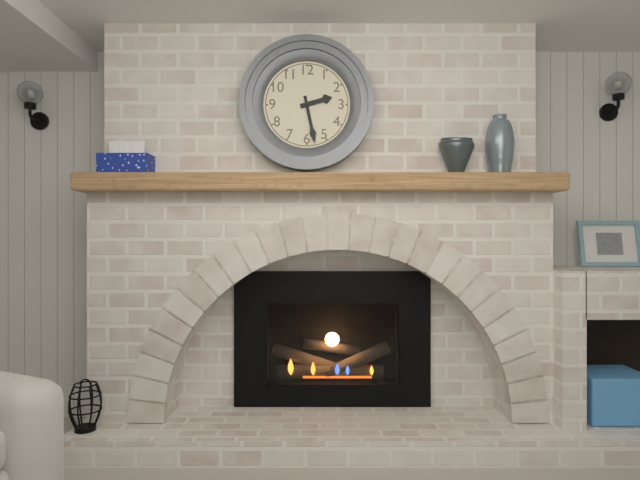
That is 2.28
